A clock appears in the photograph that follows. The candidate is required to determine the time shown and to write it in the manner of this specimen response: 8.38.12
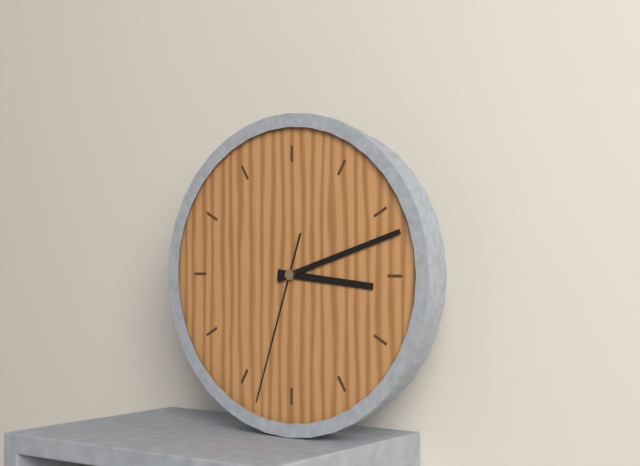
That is 3.12.33
